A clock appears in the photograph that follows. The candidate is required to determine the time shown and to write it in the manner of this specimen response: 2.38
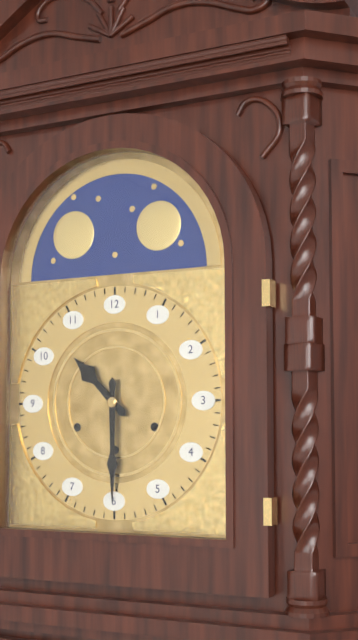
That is 10.30
